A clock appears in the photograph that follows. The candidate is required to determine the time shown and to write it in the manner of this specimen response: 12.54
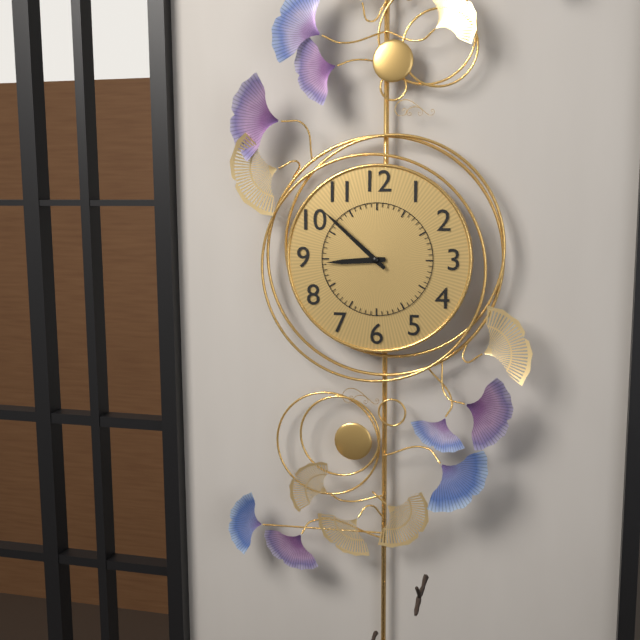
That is 8.52
